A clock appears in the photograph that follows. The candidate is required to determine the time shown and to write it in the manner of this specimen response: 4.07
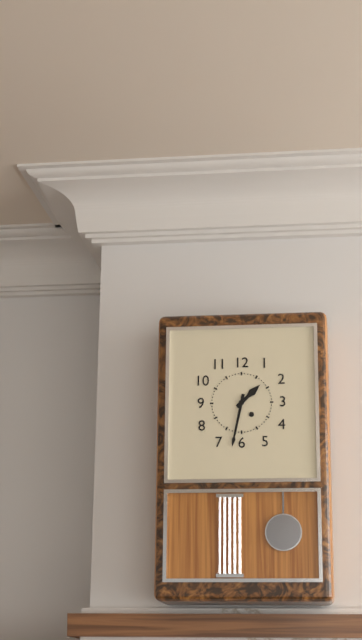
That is 1.32
